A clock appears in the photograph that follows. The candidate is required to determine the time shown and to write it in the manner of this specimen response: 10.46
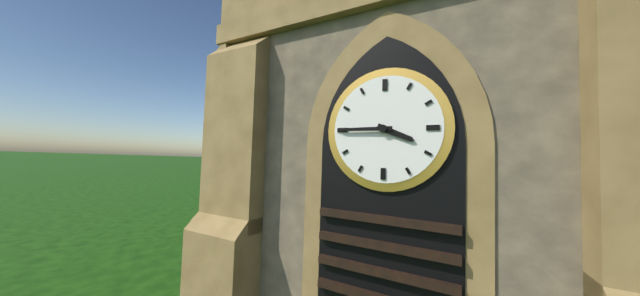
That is 3.45
